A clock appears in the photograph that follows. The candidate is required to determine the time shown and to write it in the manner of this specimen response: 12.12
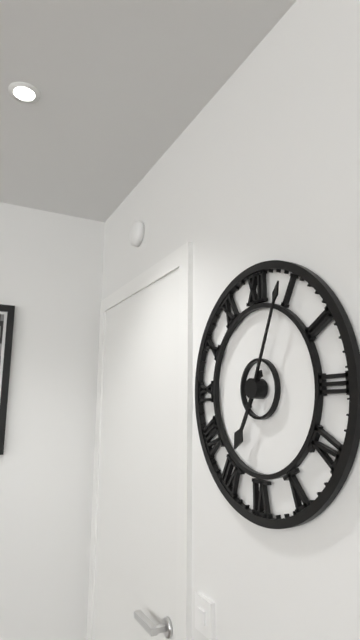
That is 7.04
